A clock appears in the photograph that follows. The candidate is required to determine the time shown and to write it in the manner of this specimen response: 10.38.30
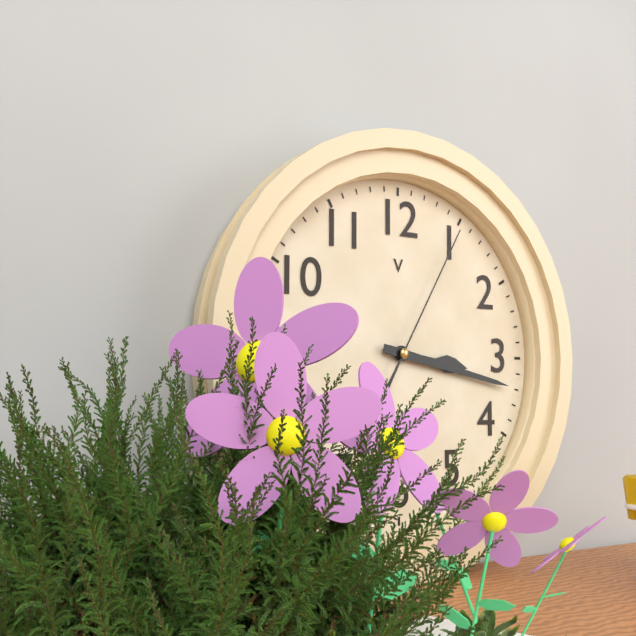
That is 3.17.05
